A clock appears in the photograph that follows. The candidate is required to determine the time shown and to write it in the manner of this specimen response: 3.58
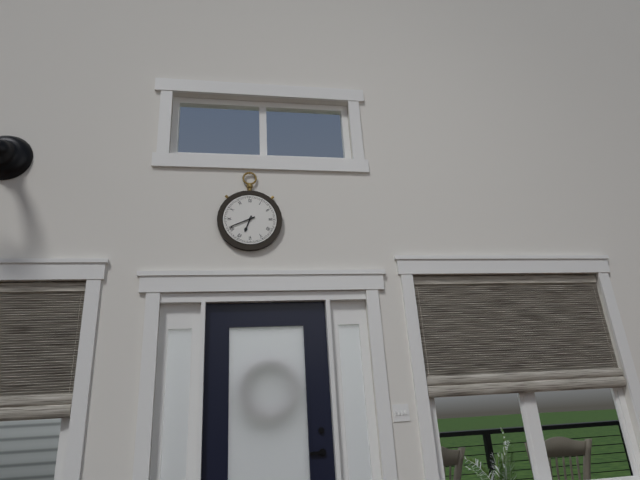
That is 6.41
